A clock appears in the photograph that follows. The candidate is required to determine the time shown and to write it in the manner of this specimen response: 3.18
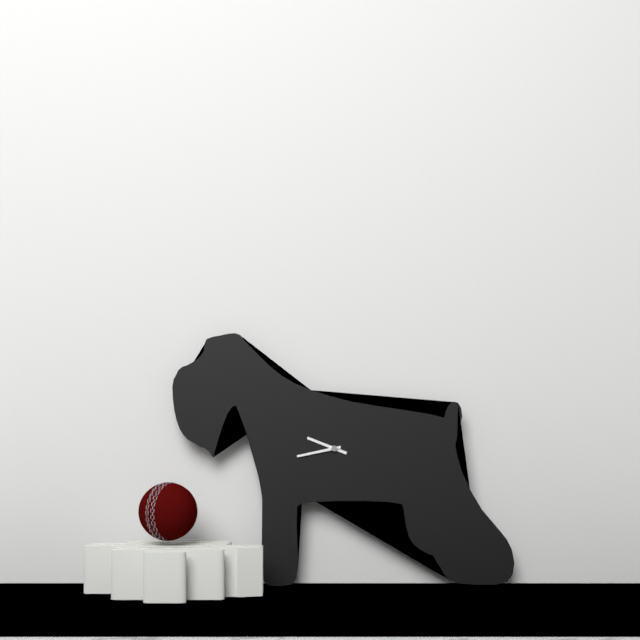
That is 9.43
